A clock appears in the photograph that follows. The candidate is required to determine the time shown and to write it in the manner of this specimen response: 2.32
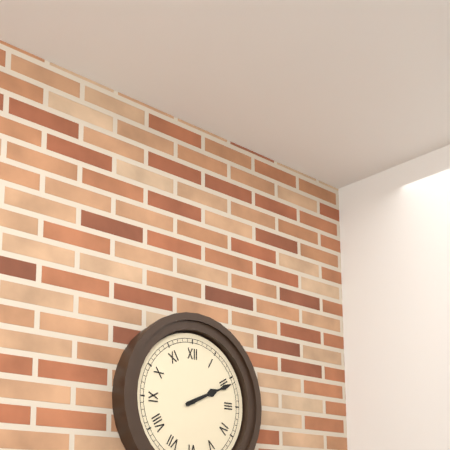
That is 2.11
